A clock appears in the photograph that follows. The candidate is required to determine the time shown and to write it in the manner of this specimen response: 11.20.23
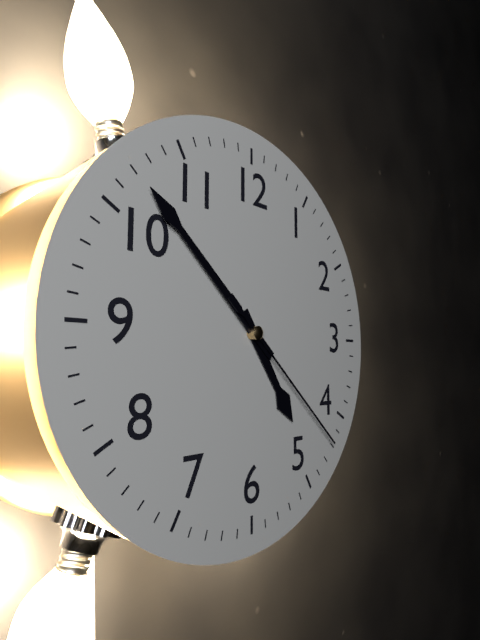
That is 4.52.22
